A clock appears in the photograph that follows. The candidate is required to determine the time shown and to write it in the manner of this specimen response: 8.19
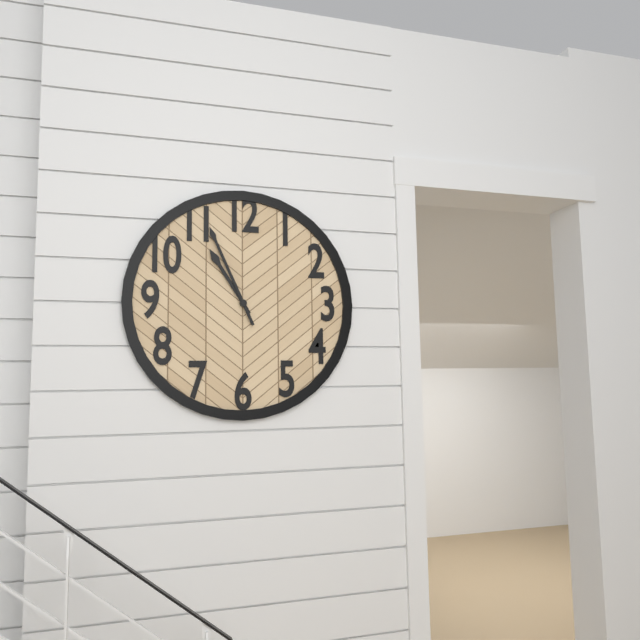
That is 10.56
